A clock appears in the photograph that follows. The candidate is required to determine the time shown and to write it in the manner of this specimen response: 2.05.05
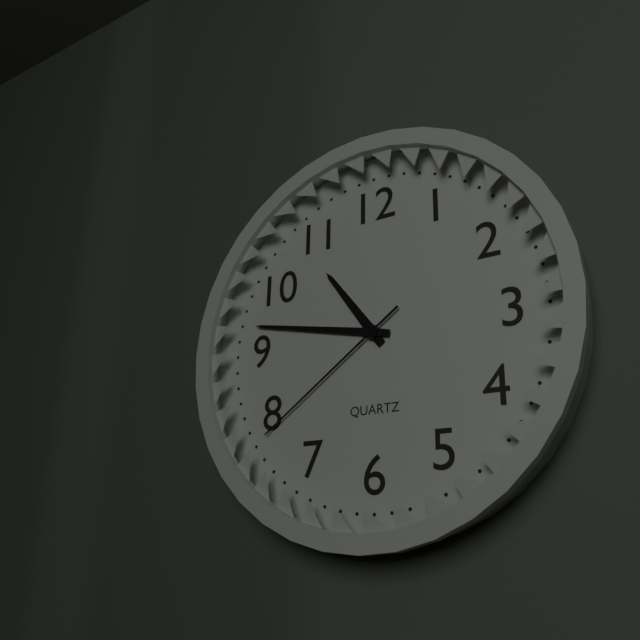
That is 10.47.39
